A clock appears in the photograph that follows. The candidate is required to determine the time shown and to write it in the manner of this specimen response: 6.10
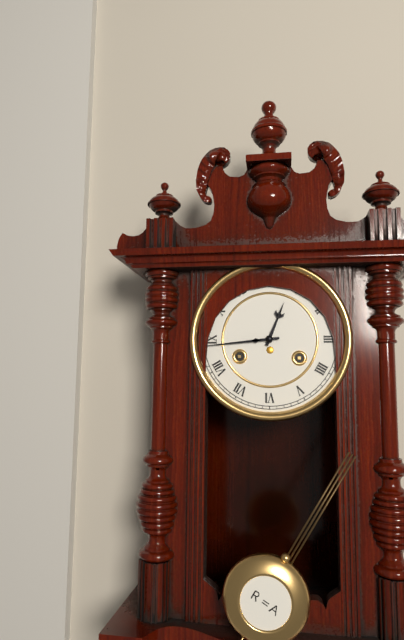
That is 12.44
